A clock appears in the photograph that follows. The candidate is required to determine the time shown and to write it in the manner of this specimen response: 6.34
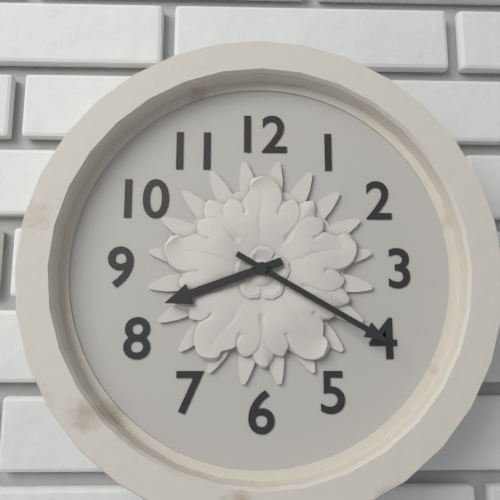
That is 8.20
